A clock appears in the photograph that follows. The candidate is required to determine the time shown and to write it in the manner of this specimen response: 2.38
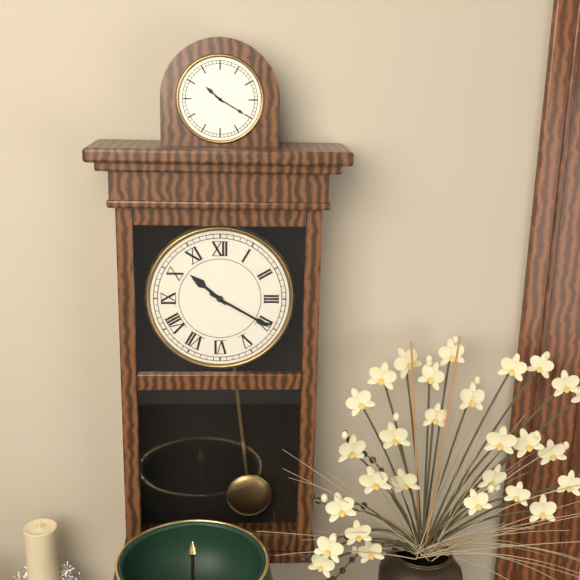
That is 10.20
